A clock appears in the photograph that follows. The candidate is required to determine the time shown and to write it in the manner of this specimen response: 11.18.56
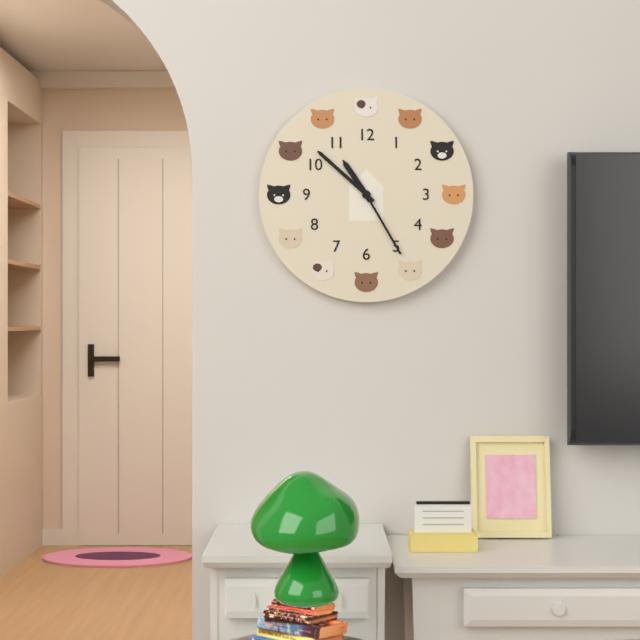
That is 10.52.25
